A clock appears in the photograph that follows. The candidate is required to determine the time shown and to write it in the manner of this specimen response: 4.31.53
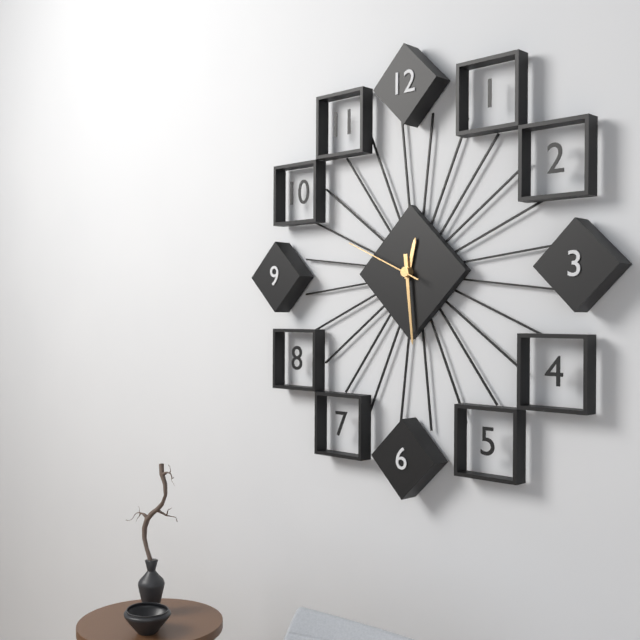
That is 12.29.49
